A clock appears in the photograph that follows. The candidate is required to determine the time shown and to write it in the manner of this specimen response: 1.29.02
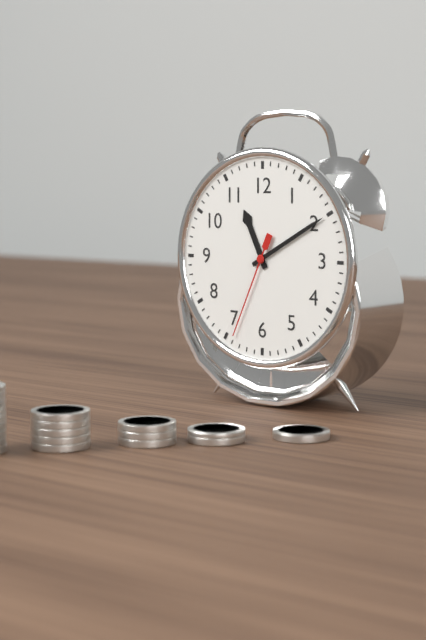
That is 11.10.34
